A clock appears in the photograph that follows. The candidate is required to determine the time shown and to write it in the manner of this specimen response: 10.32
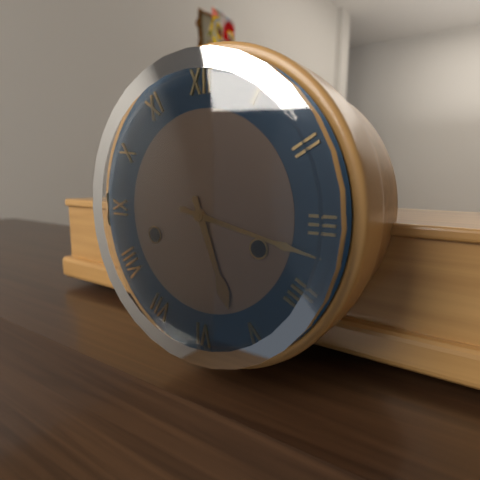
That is 5.17
